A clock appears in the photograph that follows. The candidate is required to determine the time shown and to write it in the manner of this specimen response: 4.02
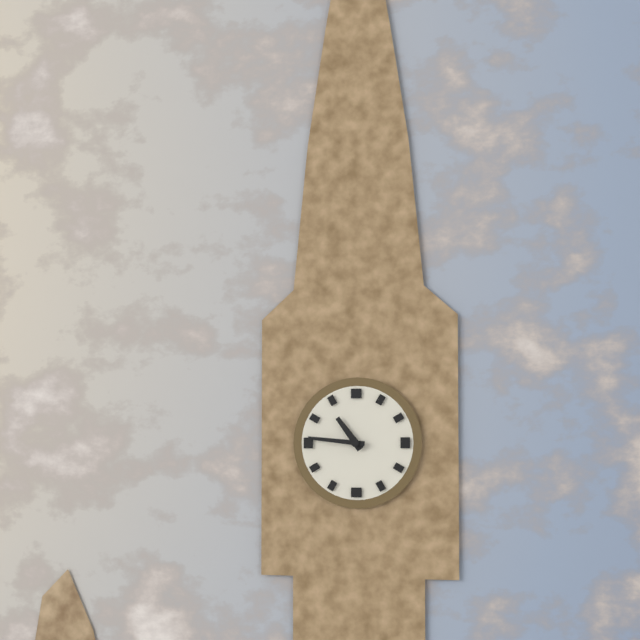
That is 10.46
